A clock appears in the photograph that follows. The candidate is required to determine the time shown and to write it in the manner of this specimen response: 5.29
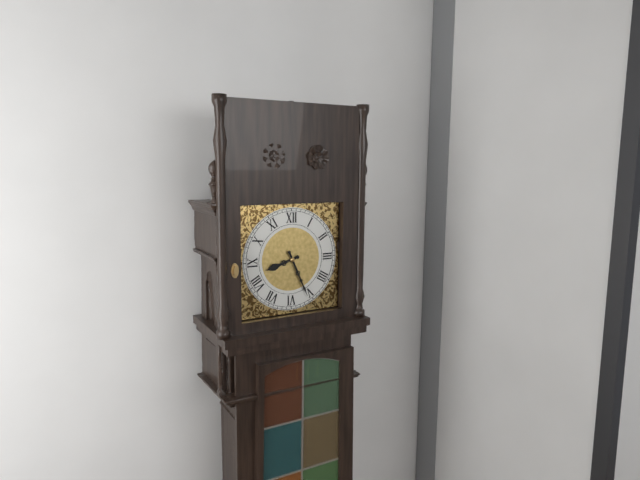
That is 8.26
